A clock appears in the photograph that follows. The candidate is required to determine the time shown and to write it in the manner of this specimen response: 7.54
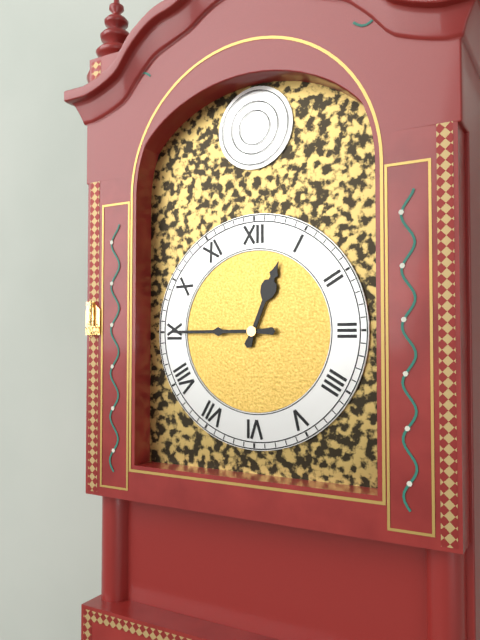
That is 12.45
